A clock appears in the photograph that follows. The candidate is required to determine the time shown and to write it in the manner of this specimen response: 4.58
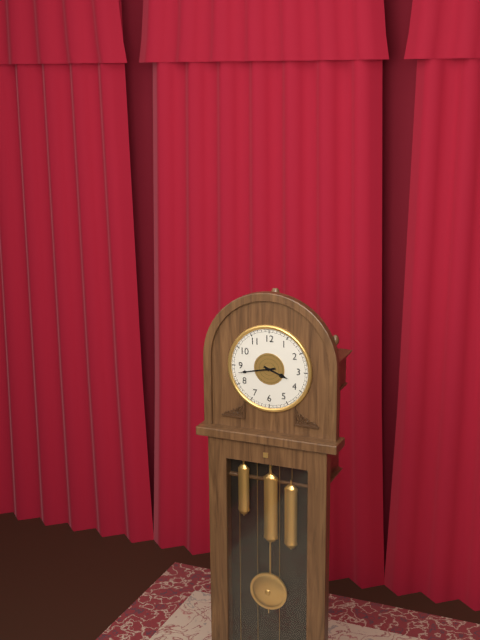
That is 3.43
